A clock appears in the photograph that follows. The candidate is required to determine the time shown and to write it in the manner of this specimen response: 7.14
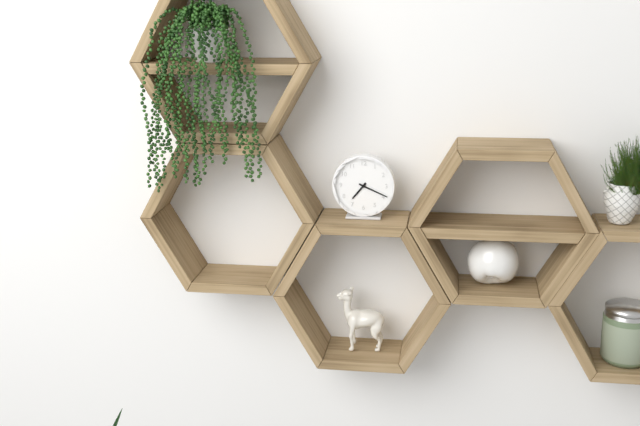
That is 7.19
